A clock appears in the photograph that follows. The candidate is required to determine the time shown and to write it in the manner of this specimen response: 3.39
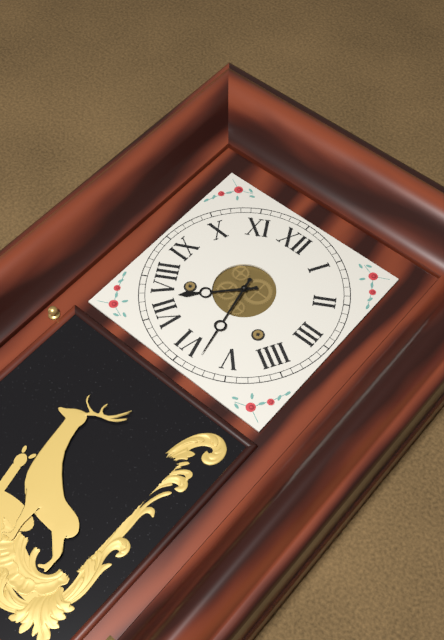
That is 7.28
